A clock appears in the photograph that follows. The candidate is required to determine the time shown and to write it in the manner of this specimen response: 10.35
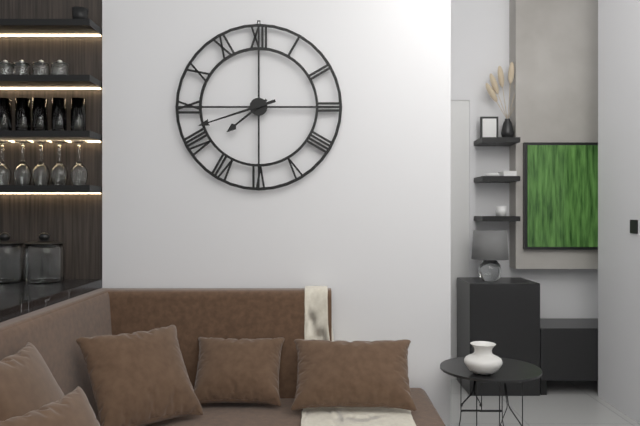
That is 7.42
